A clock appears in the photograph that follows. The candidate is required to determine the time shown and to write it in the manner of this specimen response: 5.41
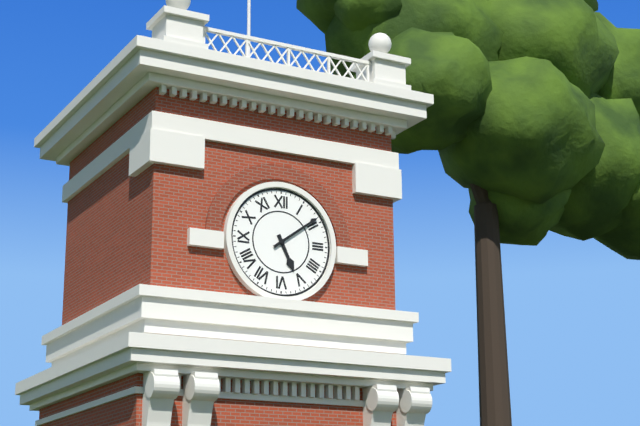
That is 5.09
